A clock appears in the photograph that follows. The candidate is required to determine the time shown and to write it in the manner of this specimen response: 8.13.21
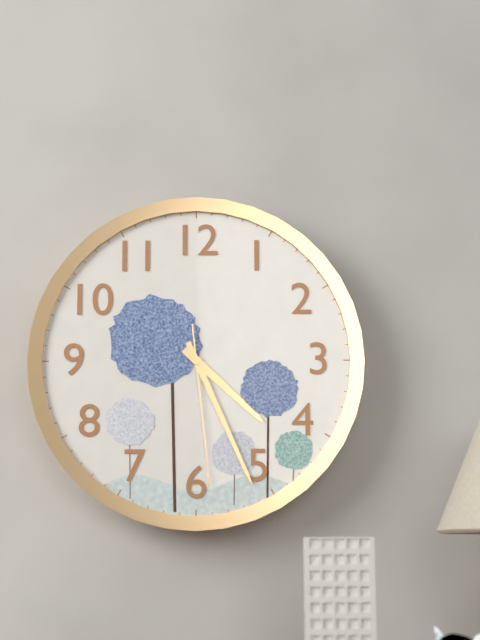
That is 4.26.29
